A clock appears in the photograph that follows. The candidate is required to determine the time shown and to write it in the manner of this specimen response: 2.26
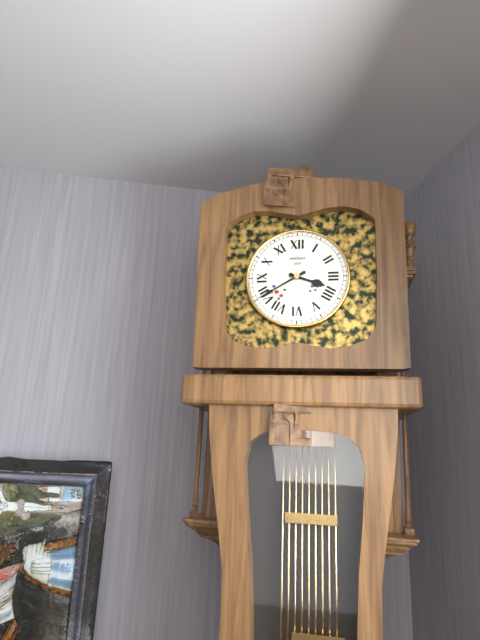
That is 3.40
